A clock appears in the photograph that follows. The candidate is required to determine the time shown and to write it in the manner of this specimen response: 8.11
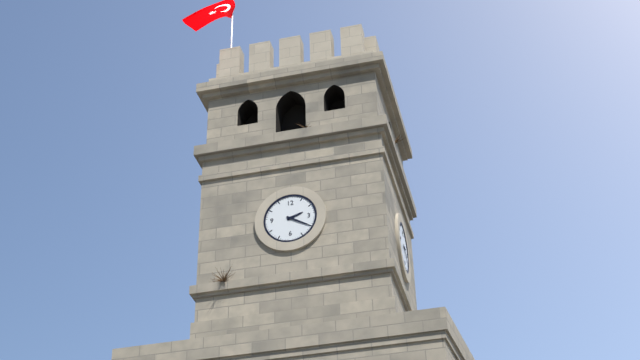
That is 2.20
